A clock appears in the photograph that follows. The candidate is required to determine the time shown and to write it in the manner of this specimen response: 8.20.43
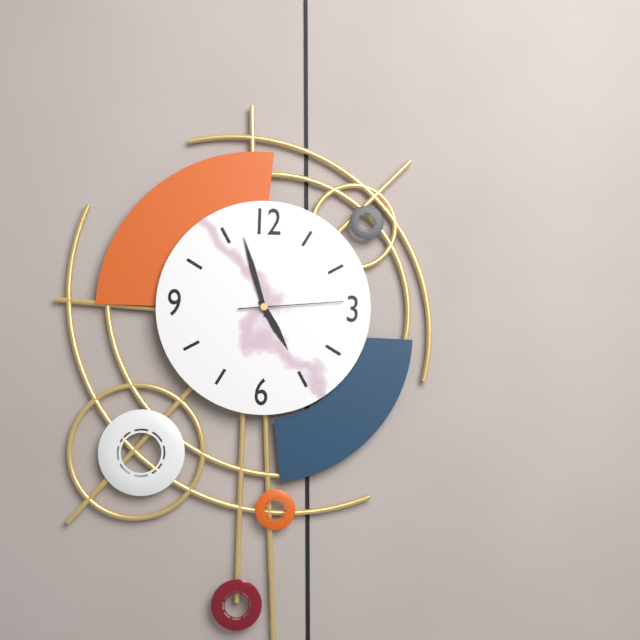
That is 4.57.14
